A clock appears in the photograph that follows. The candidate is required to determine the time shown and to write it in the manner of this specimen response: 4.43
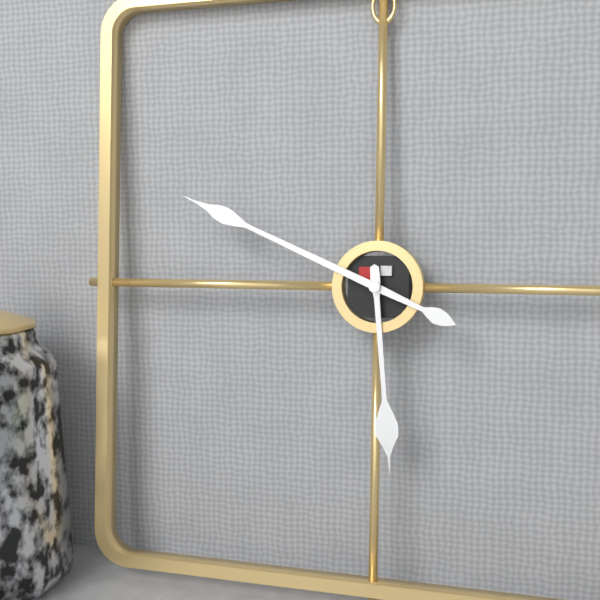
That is 5.49
